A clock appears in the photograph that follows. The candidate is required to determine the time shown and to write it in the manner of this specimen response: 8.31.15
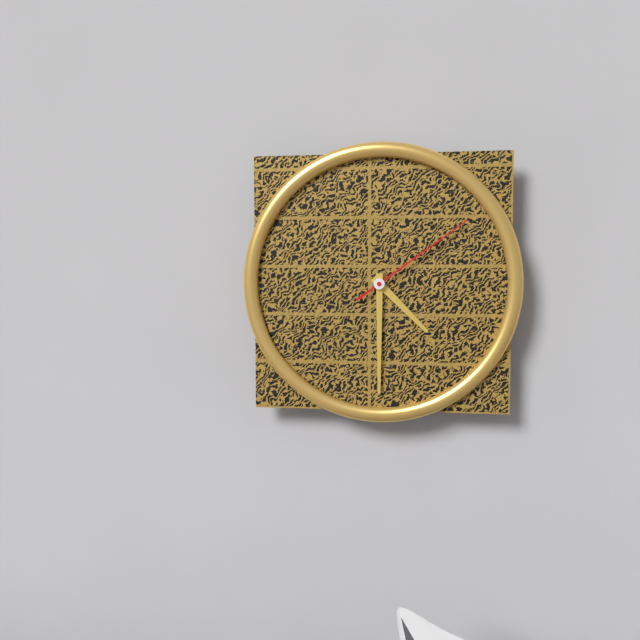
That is 4.30.09
